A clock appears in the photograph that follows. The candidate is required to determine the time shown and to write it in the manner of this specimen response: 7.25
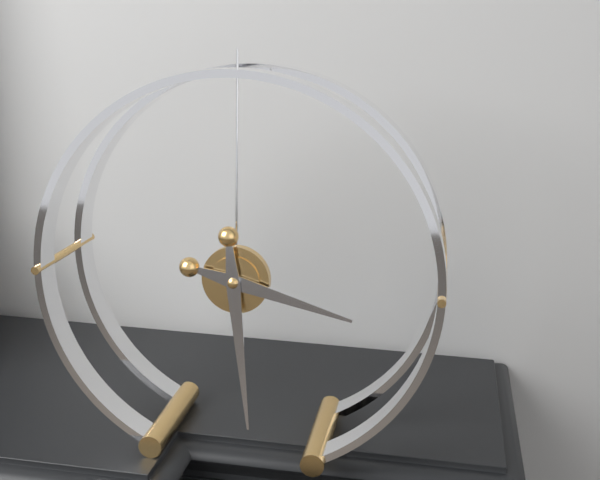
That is 3.29
